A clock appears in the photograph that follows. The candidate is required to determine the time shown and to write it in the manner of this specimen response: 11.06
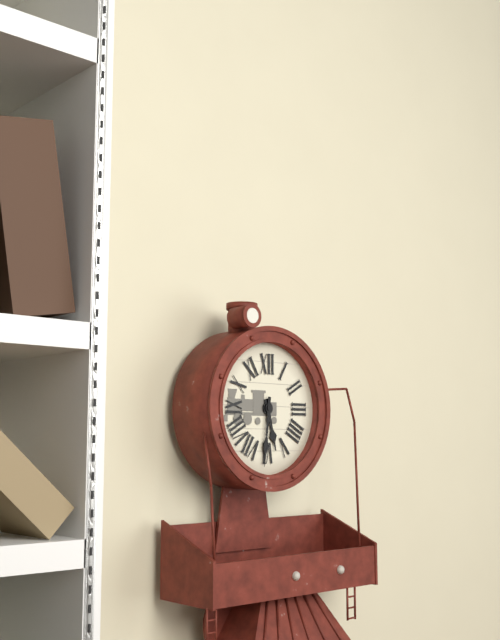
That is 5.31
